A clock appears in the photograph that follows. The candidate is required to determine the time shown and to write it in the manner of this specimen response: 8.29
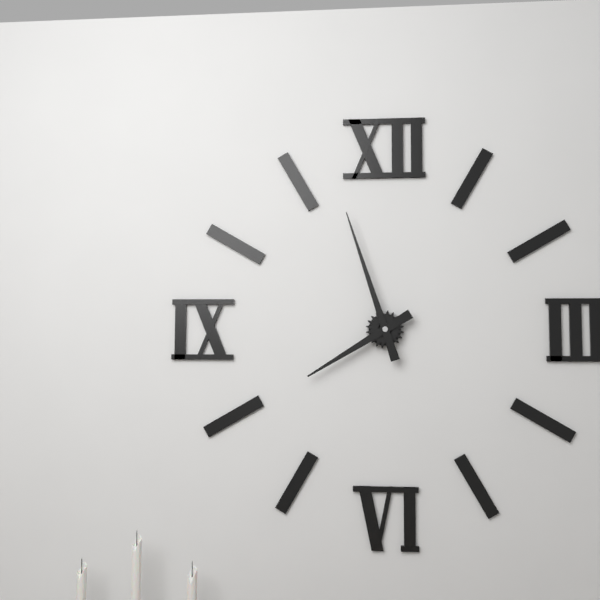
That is 7.57
